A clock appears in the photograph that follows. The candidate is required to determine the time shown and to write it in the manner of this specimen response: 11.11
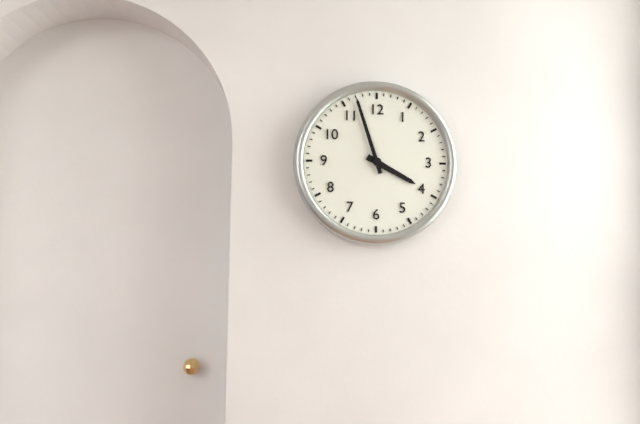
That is 3.57
